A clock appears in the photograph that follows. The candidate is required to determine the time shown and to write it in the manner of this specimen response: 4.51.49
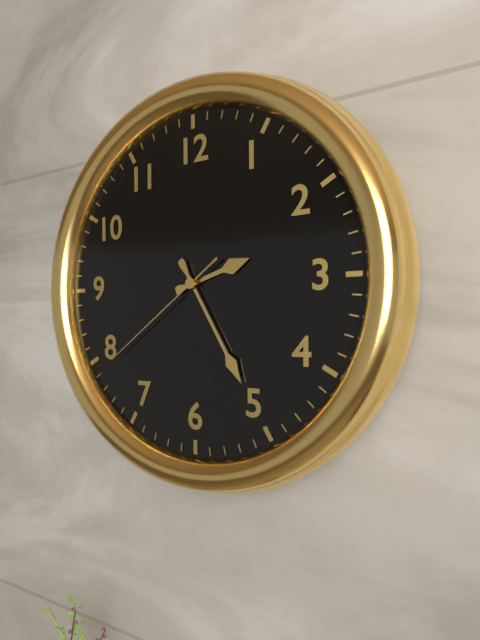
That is 2.25.39
